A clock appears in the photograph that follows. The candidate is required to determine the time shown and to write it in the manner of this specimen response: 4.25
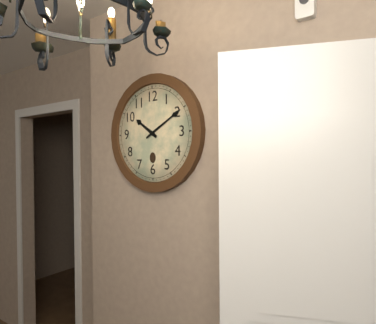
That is 10.10
